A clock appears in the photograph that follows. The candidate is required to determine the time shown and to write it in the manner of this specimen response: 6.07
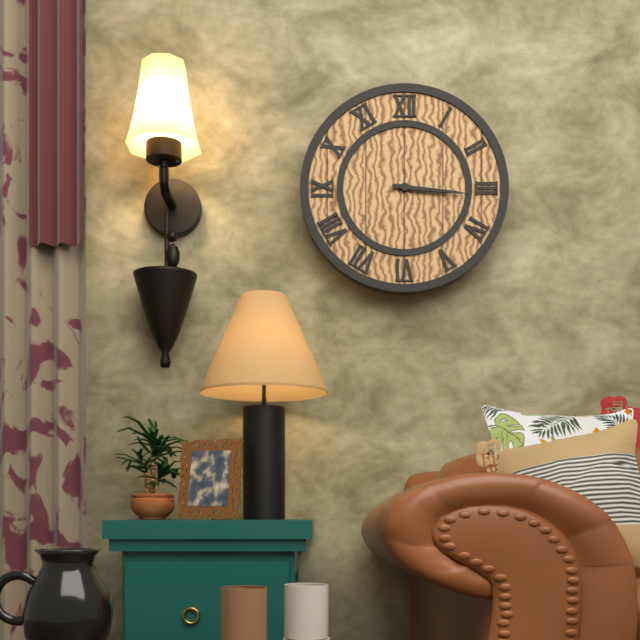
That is 3.16
